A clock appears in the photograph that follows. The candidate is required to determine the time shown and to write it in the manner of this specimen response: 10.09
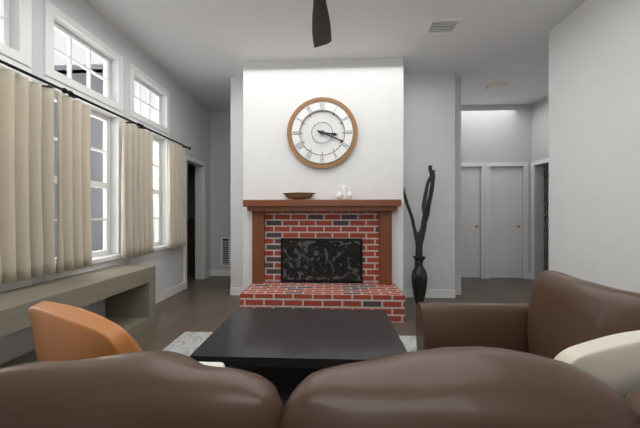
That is 3.19
